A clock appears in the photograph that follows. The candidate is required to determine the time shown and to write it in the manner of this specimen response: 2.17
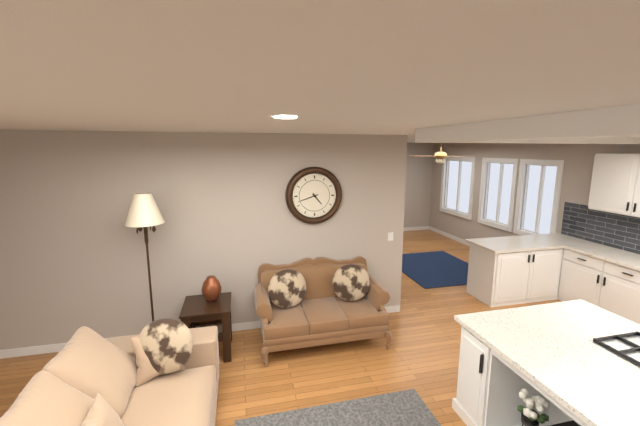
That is 4.42
